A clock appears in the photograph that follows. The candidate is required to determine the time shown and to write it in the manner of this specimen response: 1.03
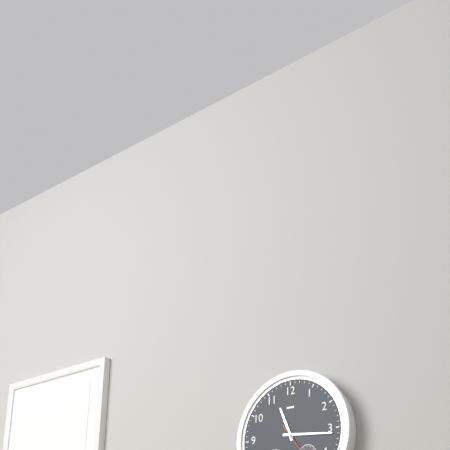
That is 11.16
